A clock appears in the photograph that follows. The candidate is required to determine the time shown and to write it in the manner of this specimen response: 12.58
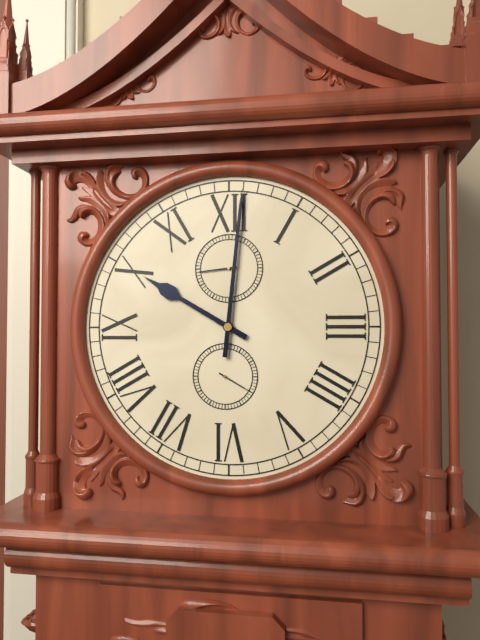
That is 10.01
